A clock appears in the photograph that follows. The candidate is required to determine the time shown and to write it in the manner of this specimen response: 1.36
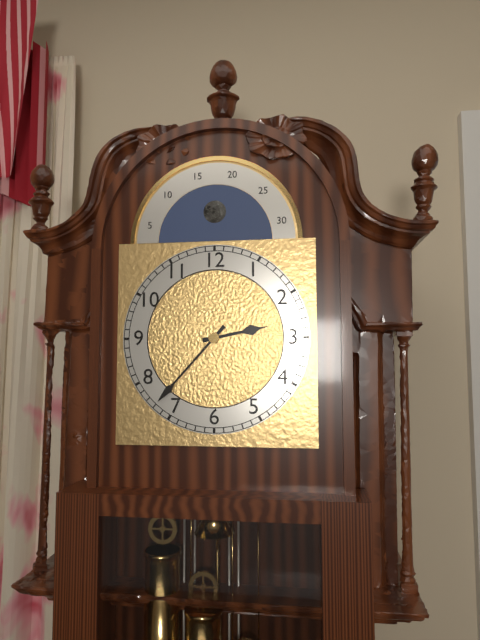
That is 2.37
